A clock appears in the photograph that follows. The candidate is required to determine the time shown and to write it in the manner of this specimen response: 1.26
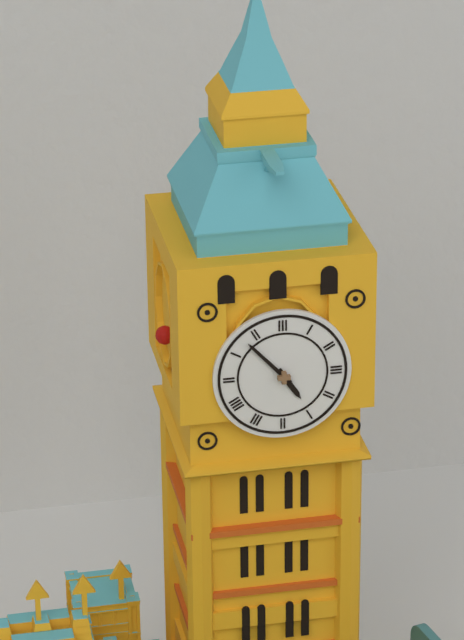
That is 4.53
